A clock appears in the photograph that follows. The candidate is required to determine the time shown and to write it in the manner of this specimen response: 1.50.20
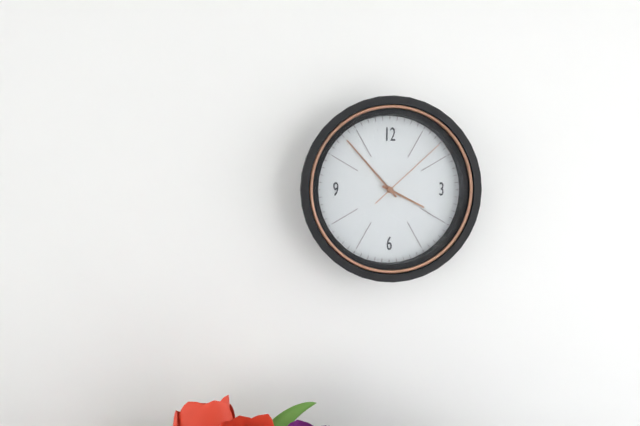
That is 3.53.08
